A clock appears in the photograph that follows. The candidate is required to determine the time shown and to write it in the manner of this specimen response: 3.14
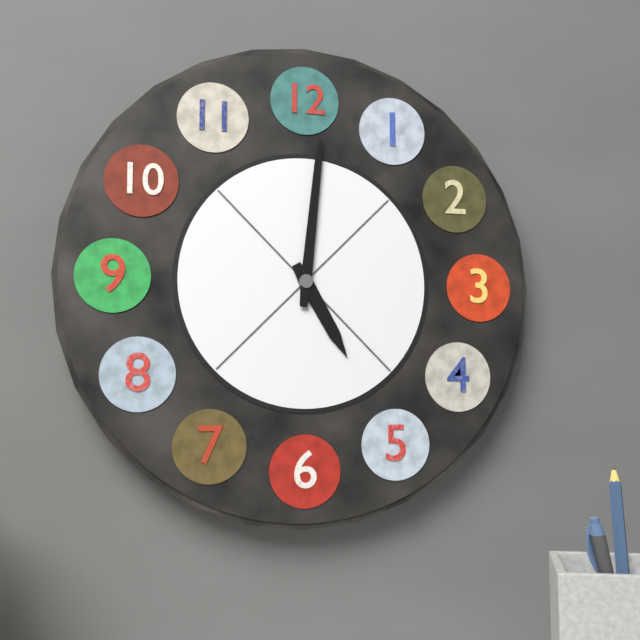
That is 5.01
